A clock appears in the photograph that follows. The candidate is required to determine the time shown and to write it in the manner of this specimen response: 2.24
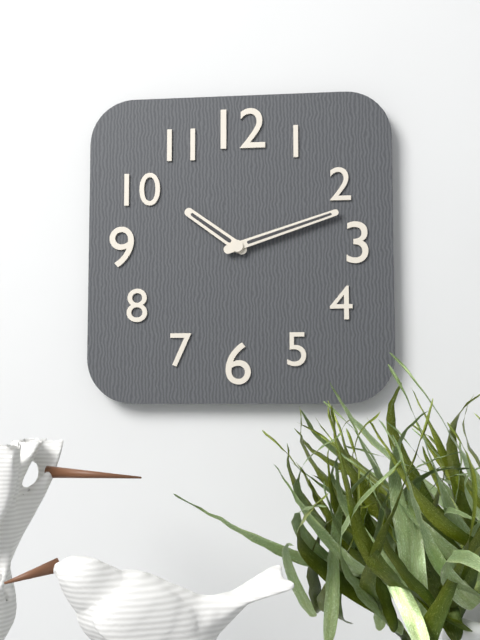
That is 10.12
